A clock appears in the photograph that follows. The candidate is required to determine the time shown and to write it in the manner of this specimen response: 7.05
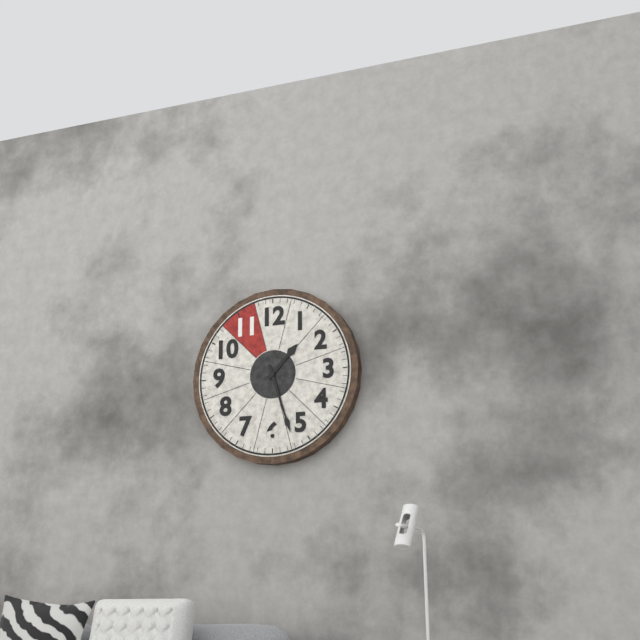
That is 1.27
